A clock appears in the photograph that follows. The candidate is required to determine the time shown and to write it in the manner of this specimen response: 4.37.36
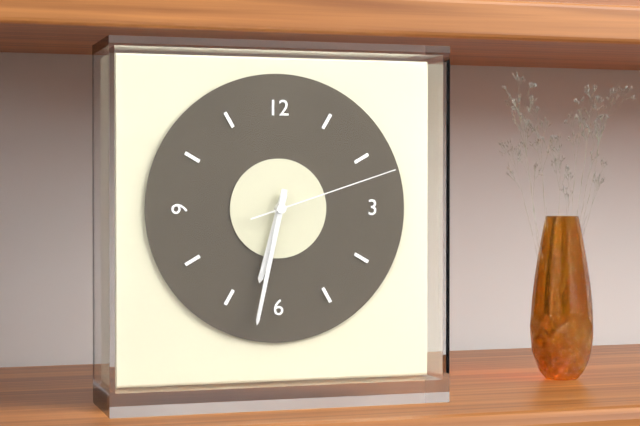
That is 6.32.12
